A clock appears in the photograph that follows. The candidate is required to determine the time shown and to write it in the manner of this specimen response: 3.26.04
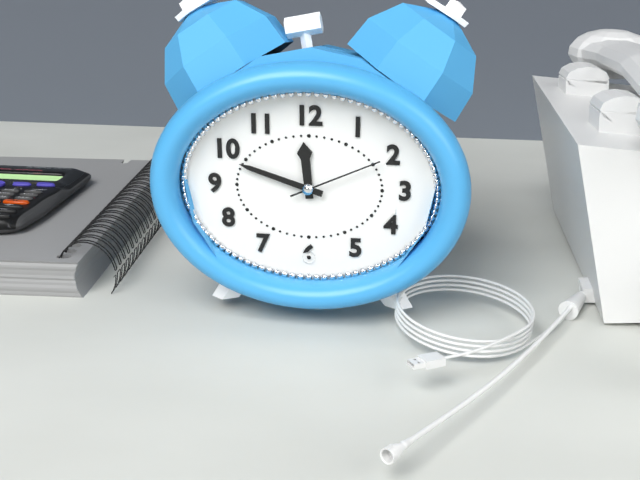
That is 11.48.11
